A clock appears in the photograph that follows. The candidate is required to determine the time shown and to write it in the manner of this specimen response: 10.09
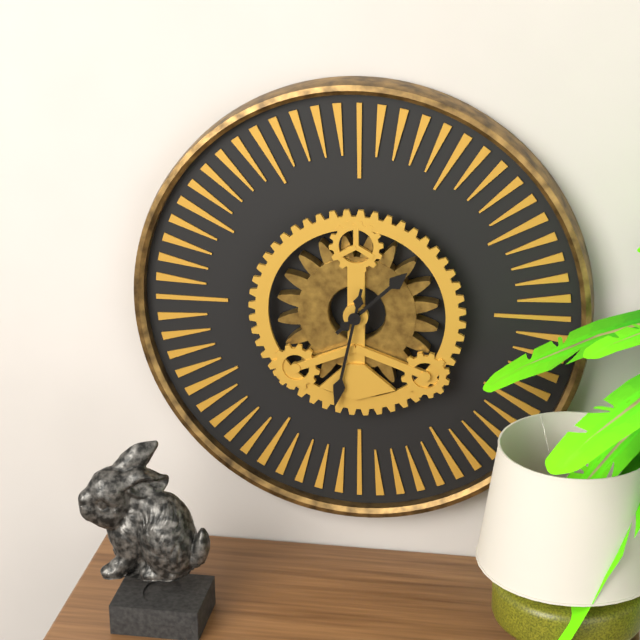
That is 1.32
